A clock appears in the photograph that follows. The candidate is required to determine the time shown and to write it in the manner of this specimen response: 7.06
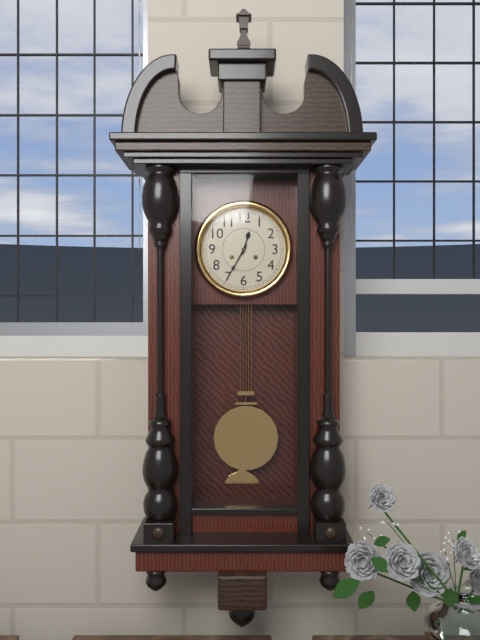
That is 12.35
